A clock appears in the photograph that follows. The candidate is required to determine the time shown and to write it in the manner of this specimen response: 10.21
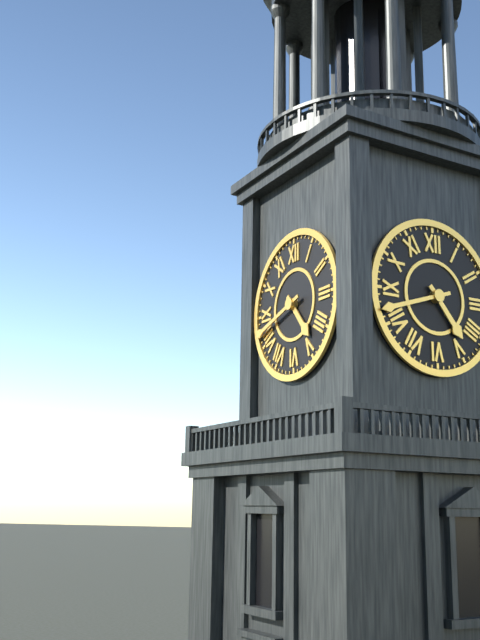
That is 4.42
